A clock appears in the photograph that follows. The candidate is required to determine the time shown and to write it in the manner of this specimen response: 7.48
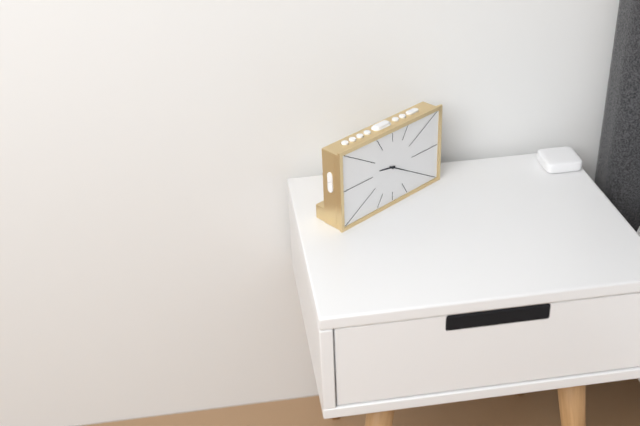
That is 9.20
